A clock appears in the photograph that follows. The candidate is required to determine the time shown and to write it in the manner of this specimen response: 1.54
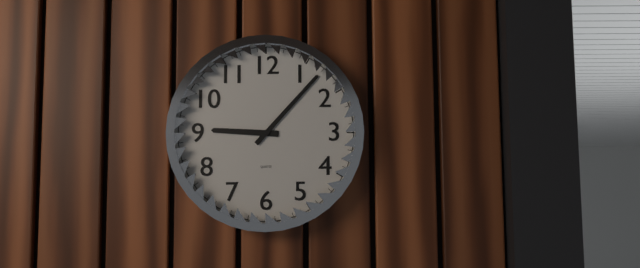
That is 9.07
